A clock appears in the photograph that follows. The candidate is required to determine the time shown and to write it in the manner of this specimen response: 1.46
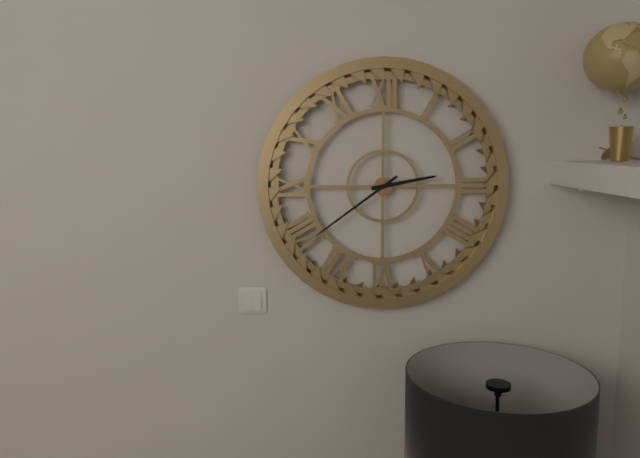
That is 2.39
